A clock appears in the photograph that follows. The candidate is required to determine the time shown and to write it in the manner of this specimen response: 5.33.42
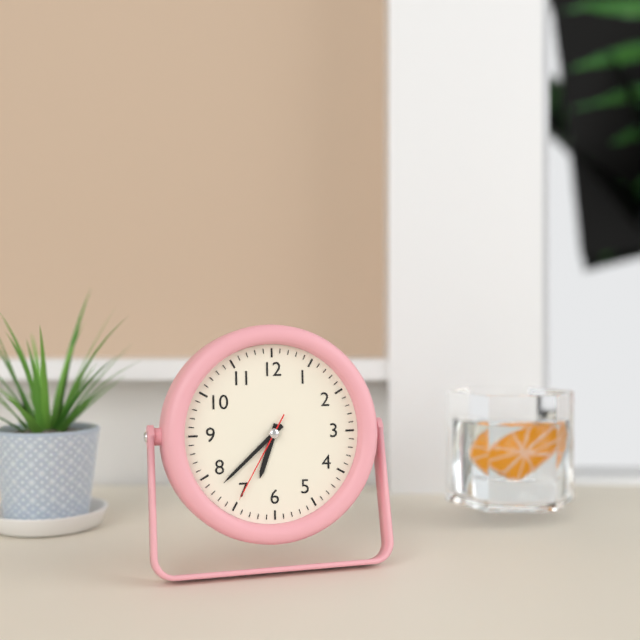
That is 6.38.35
